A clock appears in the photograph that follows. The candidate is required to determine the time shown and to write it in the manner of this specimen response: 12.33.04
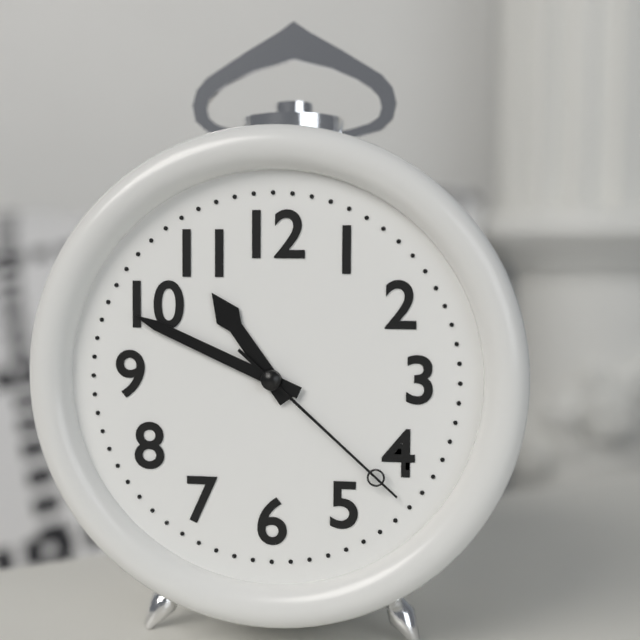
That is 10.49.22
